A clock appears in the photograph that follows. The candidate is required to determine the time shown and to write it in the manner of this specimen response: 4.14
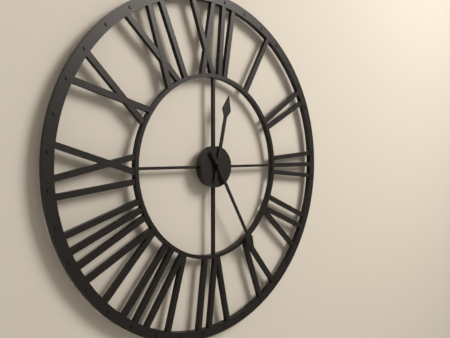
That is 12.25
